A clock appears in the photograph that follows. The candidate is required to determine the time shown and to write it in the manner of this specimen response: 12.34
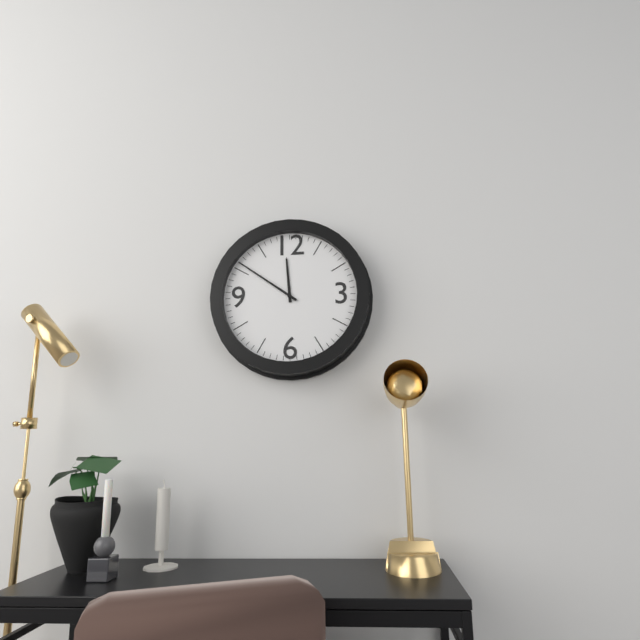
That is 11.51
